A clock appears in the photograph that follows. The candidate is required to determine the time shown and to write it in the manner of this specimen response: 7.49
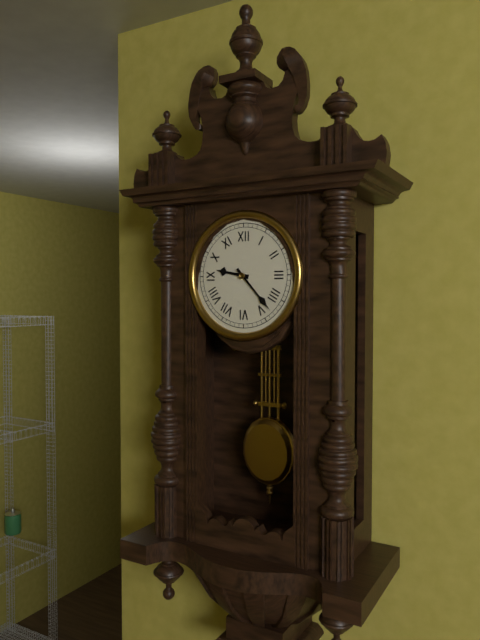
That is 9.23
